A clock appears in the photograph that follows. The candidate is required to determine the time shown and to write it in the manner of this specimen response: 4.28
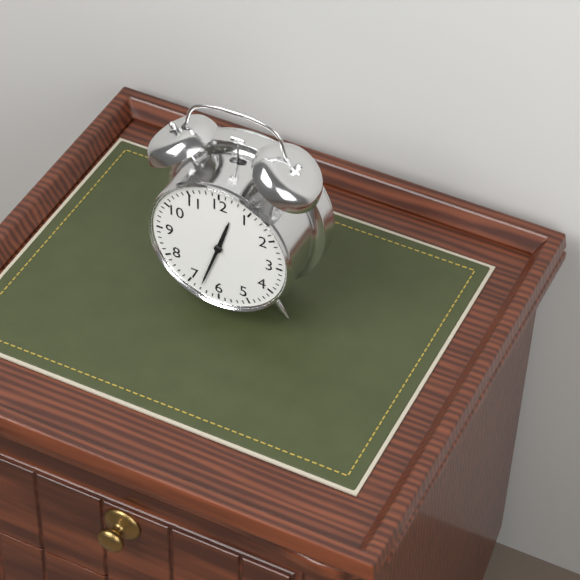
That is 12.33
